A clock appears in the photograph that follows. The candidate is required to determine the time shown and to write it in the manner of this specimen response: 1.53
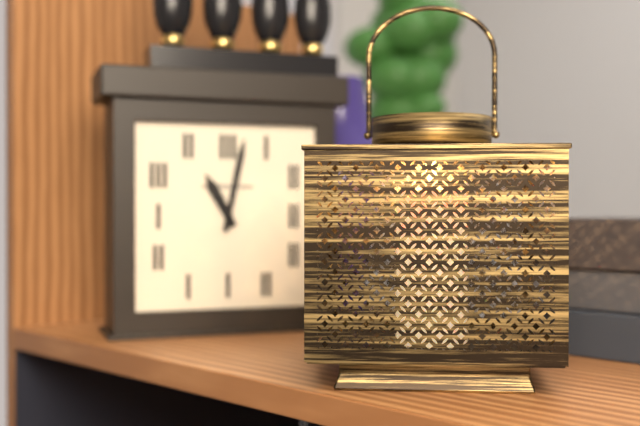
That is 11.02
